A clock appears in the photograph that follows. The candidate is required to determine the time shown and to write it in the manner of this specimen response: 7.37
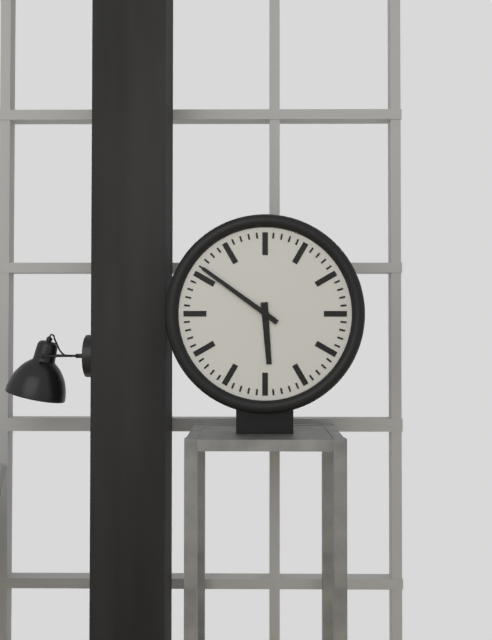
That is 5.51
